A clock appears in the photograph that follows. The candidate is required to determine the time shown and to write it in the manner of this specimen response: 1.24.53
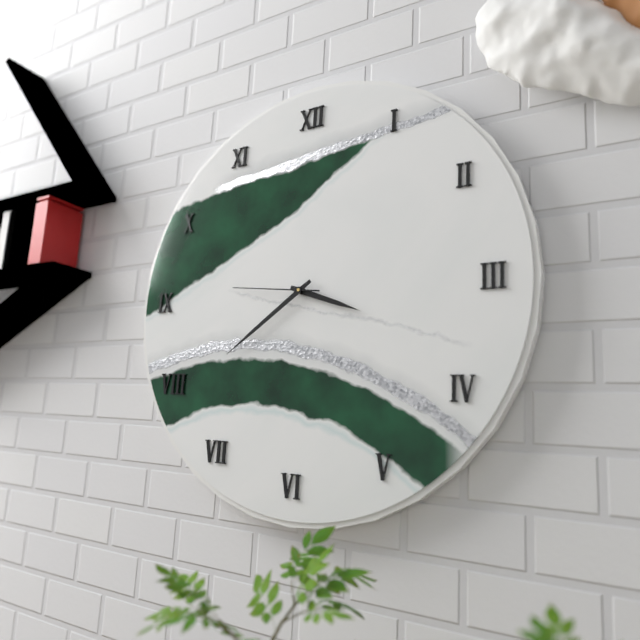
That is 3.39.46
